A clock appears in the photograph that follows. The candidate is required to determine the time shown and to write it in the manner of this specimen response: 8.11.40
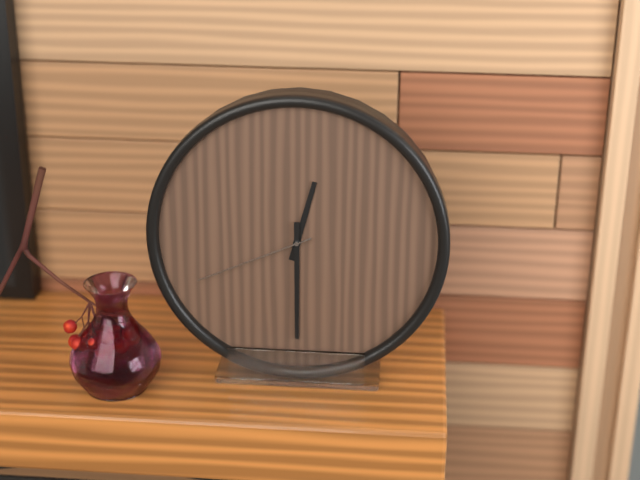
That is 12.30.41
